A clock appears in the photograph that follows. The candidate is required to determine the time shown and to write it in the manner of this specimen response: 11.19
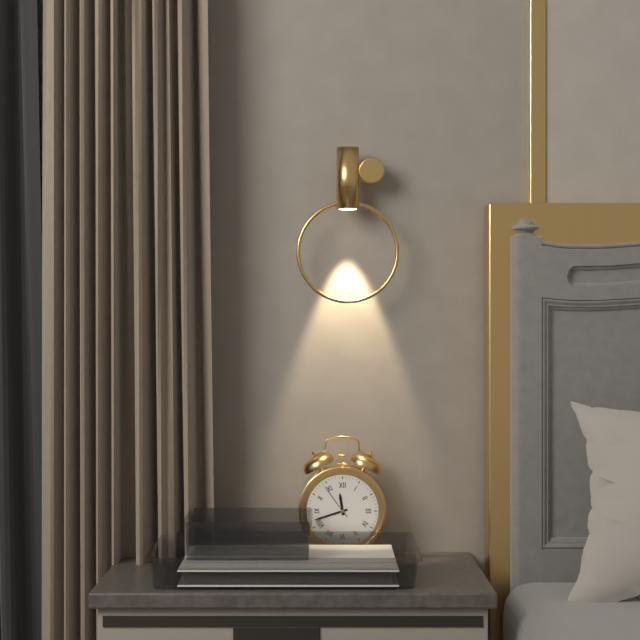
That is 11.42
